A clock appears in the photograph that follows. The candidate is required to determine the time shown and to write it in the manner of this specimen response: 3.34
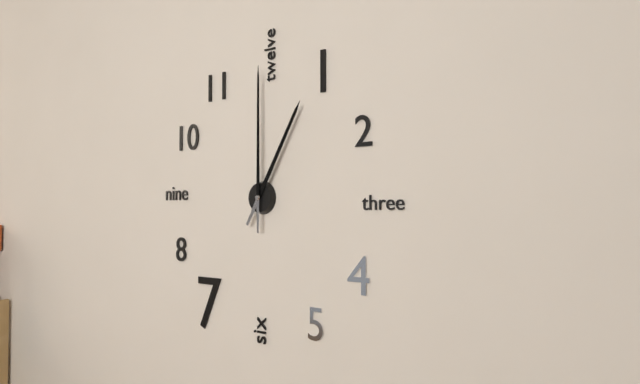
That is 1.00
